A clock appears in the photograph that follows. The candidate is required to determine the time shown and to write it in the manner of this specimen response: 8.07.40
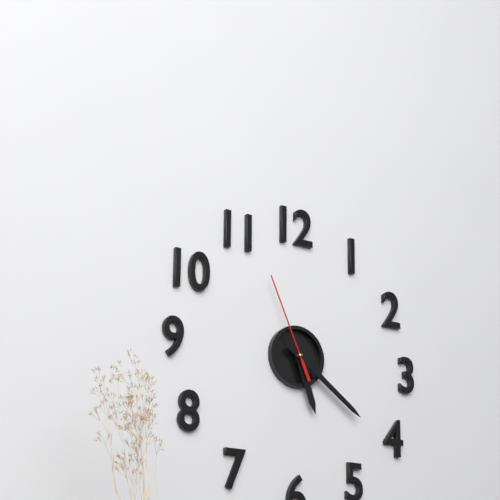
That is 5.21.56
